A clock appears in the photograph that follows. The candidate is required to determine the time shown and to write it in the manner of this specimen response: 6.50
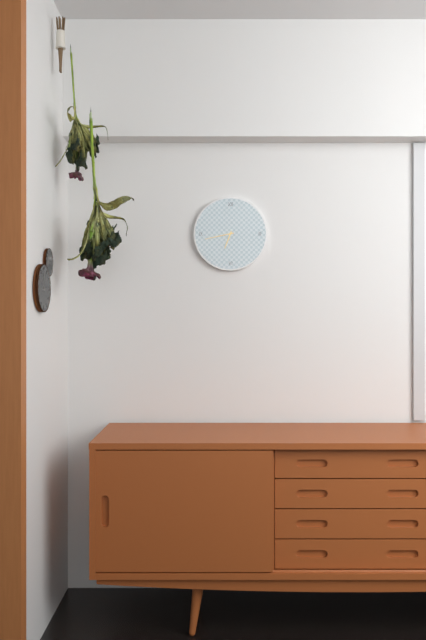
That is 6.43
